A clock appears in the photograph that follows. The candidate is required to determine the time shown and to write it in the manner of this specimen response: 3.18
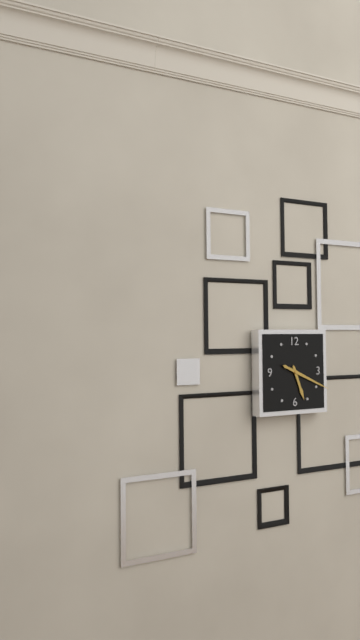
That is 5.19
